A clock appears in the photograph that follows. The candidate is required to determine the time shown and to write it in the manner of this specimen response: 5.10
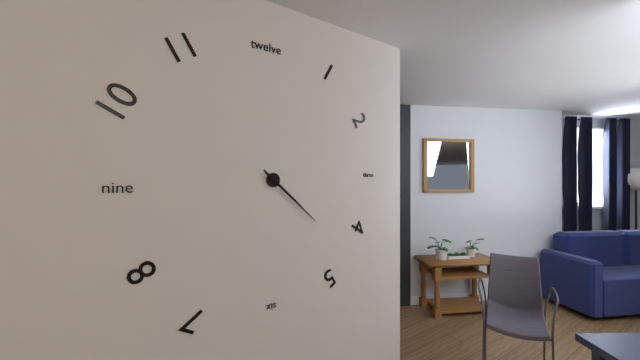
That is 4.22
